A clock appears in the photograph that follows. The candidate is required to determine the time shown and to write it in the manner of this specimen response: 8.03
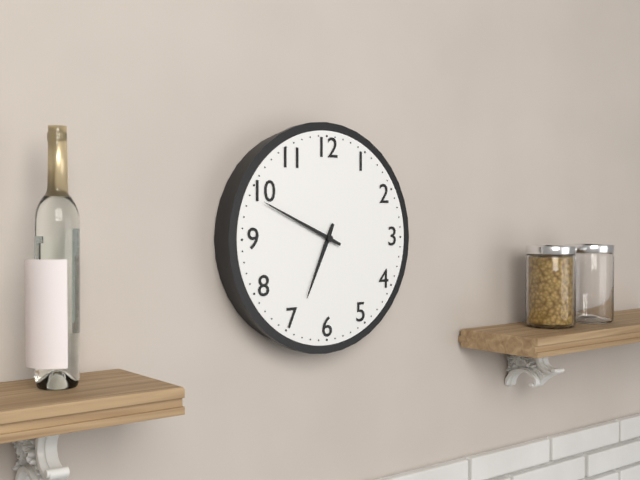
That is 6.49
